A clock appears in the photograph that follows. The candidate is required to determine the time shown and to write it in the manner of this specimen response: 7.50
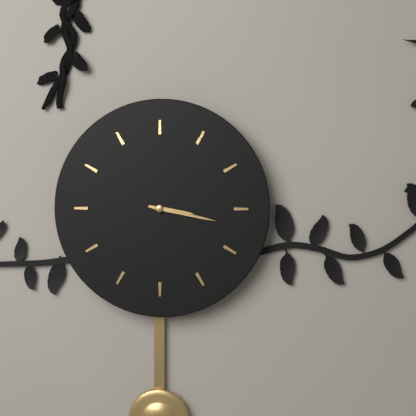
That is 3.17
